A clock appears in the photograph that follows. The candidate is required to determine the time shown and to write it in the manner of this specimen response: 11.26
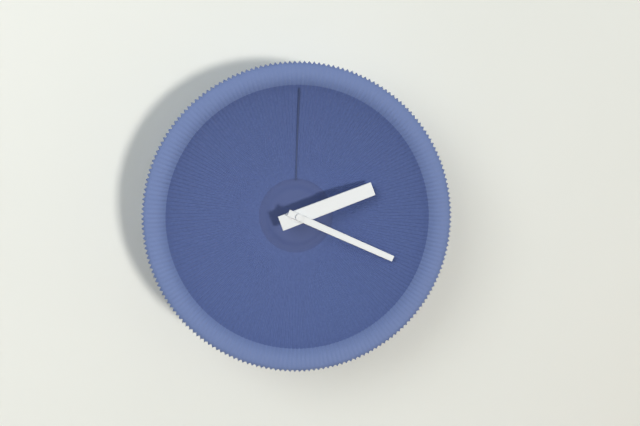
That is 2.19
